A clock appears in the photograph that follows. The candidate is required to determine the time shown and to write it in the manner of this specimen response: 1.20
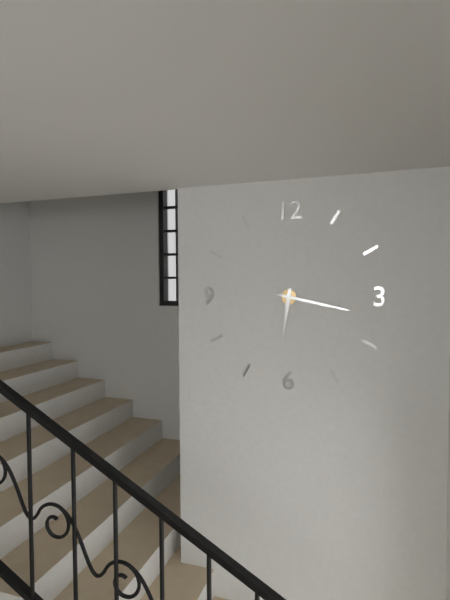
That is 6.17
